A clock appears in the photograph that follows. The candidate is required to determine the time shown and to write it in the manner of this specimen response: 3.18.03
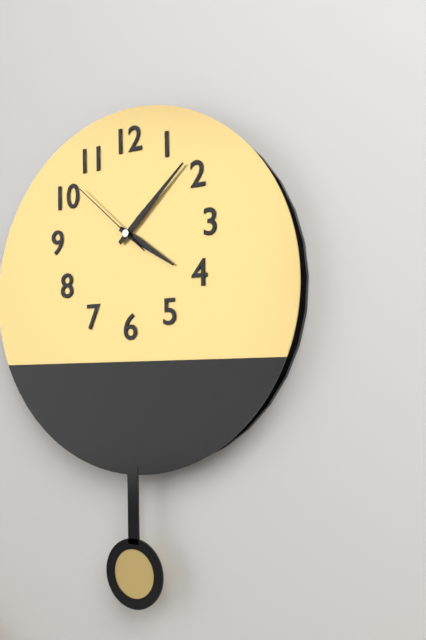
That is 4.08.52
